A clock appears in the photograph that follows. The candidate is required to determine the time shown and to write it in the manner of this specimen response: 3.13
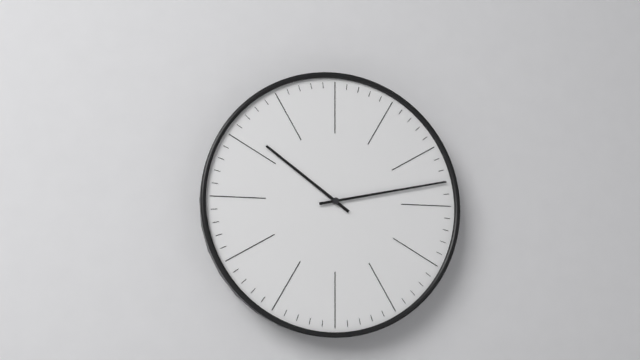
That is 10.13
